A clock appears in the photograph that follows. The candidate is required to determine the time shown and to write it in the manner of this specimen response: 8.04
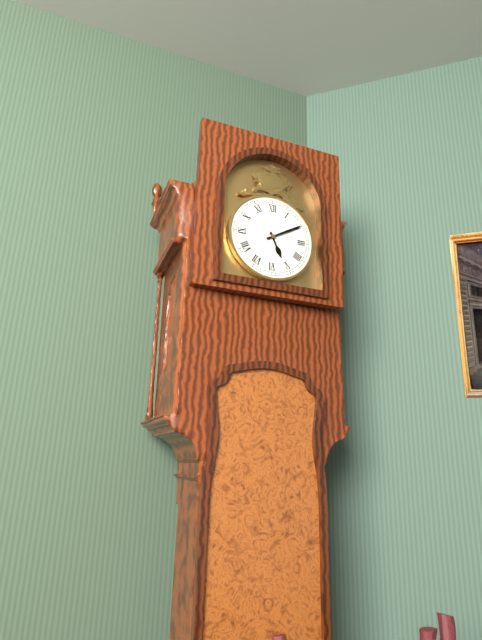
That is 5.10
